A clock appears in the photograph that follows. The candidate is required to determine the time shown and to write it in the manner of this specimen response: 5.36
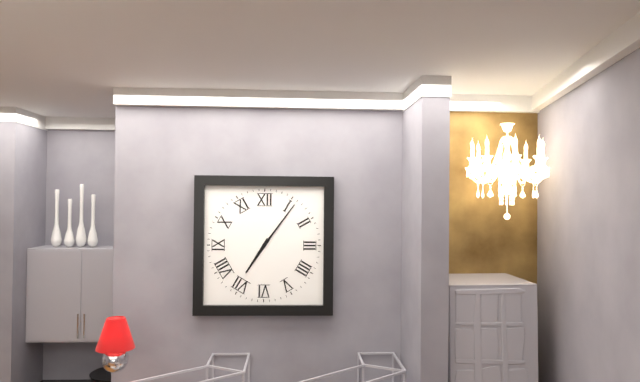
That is 7.06
